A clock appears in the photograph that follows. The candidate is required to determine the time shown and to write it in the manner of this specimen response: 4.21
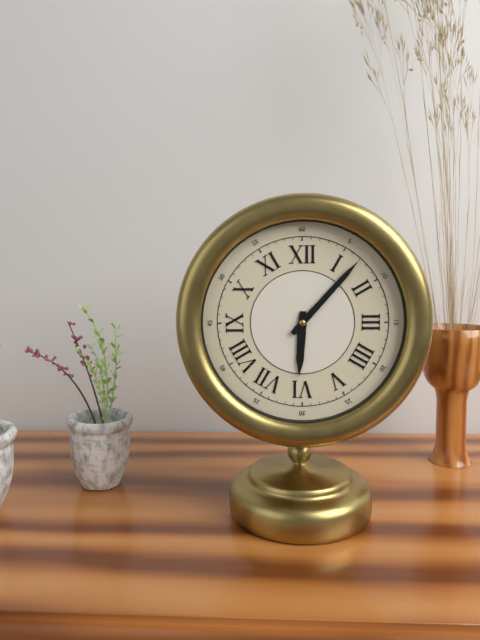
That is 6.07
